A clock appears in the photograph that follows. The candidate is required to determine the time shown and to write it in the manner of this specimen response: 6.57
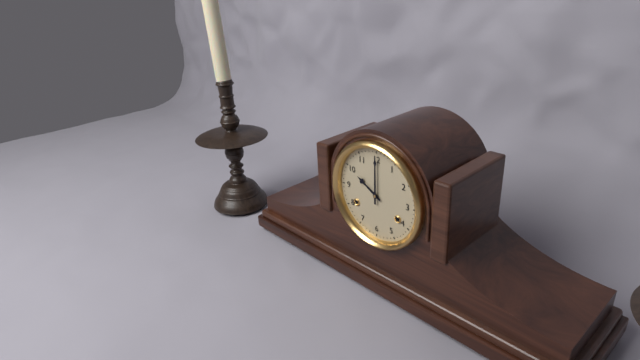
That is 10.00
